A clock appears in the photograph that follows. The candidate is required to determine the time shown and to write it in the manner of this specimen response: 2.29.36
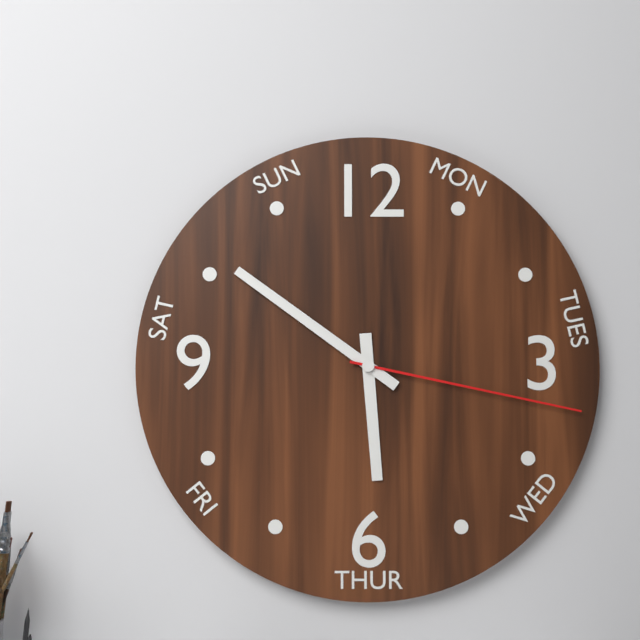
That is 5.51.17
